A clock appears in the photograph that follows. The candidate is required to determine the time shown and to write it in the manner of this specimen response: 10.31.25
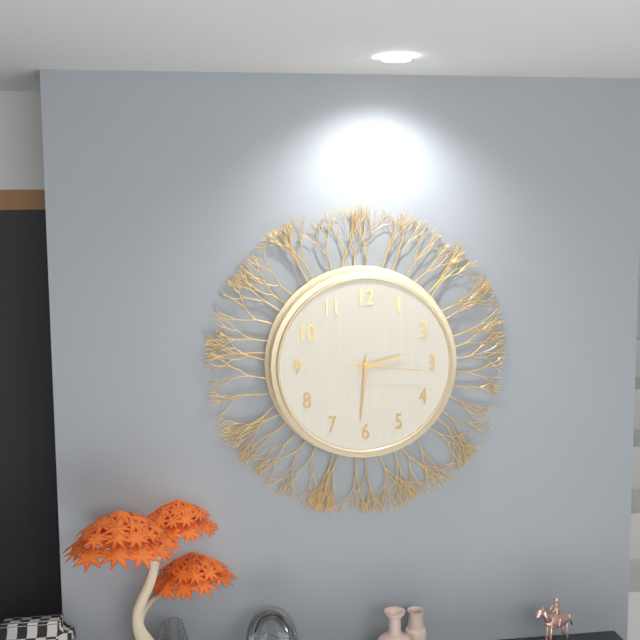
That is 2.31.16
